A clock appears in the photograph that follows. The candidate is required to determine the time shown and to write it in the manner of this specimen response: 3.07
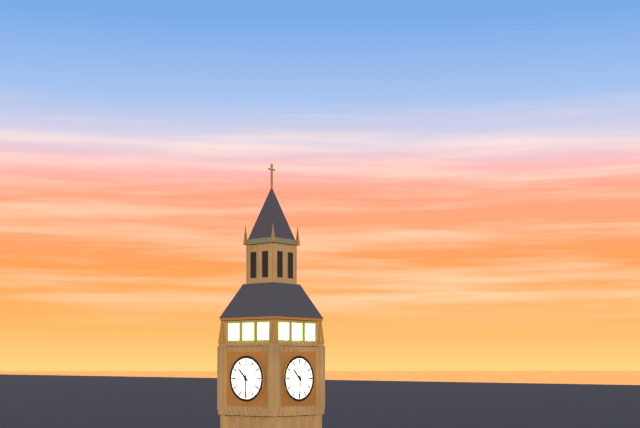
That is 10.30
